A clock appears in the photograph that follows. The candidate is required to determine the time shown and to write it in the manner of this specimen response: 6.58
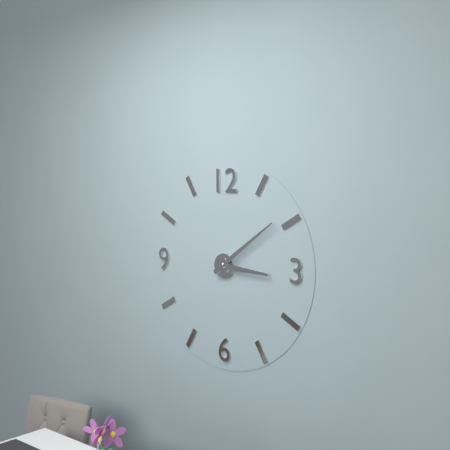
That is 3.09
